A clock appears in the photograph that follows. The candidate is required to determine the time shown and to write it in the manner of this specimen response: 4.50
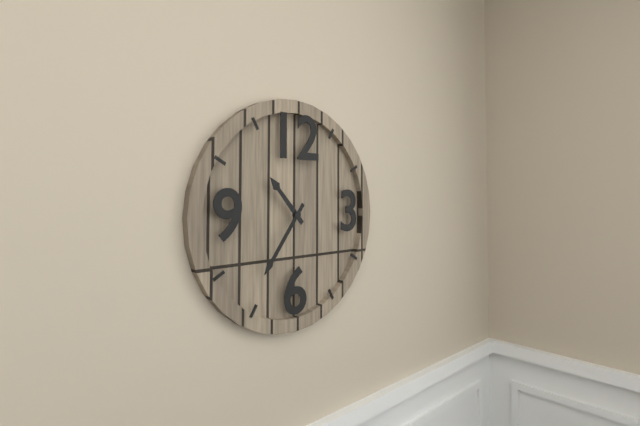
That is 10.36
